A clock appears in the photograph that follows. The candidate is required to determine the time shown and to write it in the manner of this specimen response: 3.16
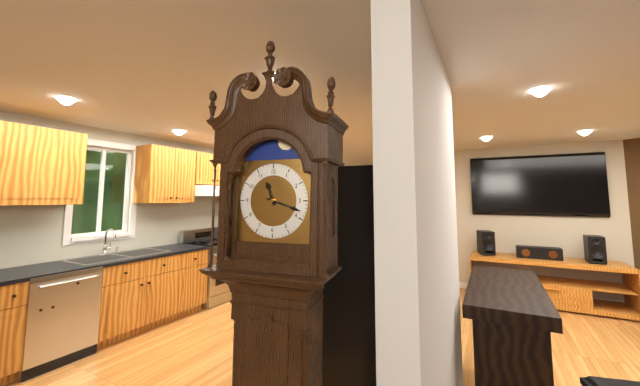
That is 11.18
